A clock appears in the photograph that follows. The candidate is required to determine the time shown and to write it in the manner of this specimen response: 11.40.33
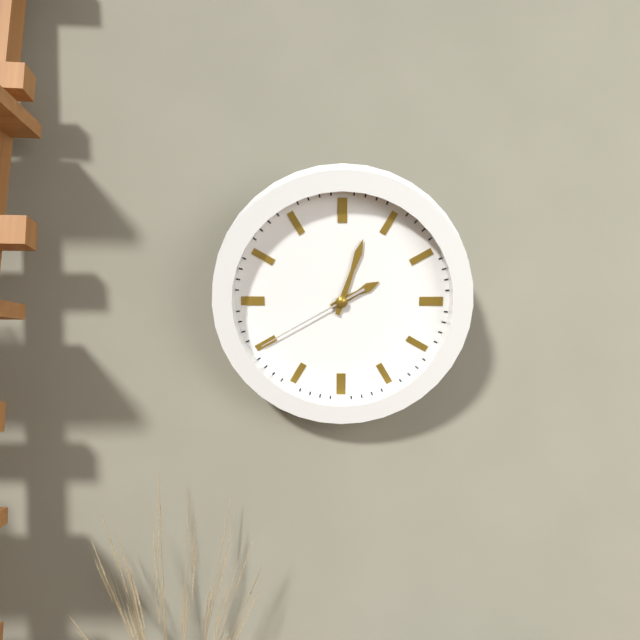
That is 2.03.40
